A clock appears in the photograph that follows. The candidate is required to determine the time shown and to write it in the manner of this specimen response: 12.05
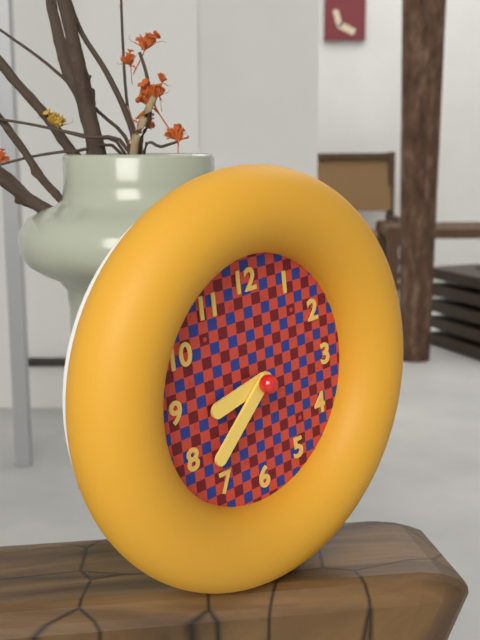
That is 8.38
